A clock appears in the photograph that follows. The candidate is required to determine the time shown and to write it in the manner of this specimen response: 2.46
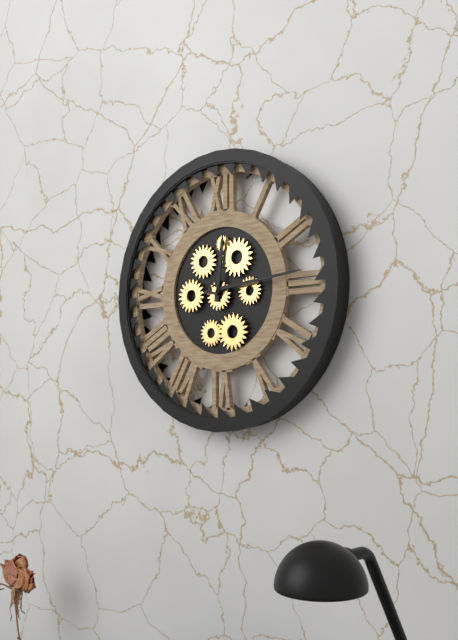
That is 12.14
